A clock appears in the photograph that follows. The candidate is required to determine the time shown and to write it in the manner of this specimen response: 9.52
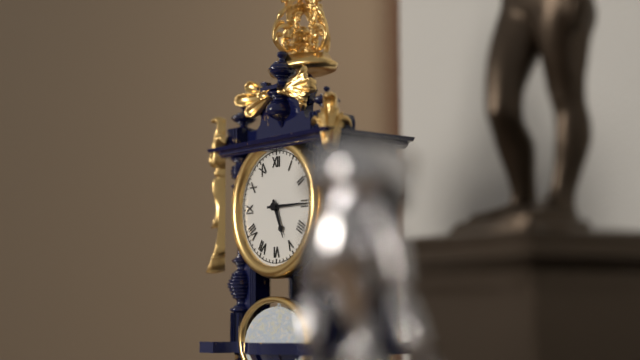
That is 5.15
